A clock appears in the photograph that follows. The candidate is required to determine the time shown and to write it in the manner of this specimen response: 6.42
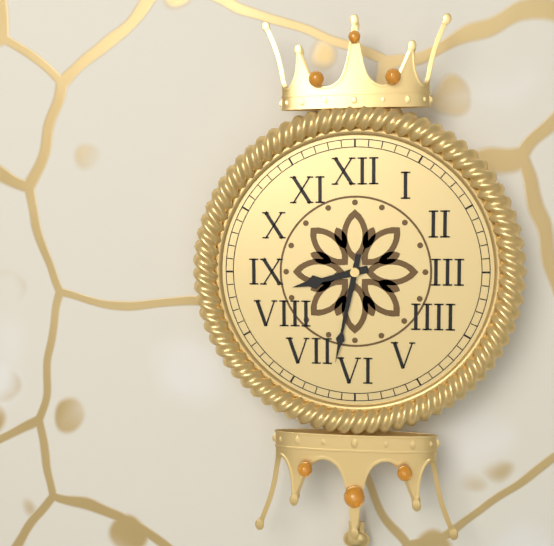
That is 8.32
